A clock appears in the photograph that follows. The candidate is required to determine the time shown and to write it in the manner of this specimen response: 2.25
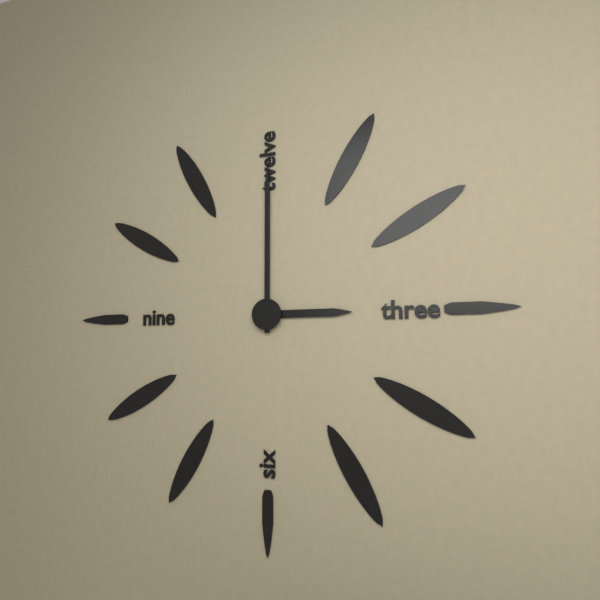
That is 3.00
